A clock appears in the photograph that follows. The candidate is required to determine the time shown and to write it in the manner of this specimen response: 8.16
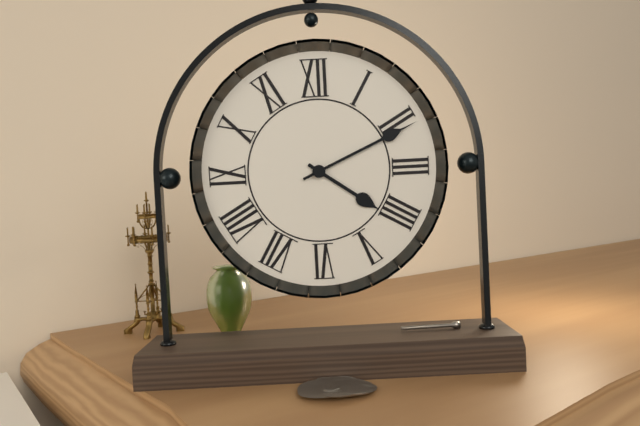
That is 4.11
